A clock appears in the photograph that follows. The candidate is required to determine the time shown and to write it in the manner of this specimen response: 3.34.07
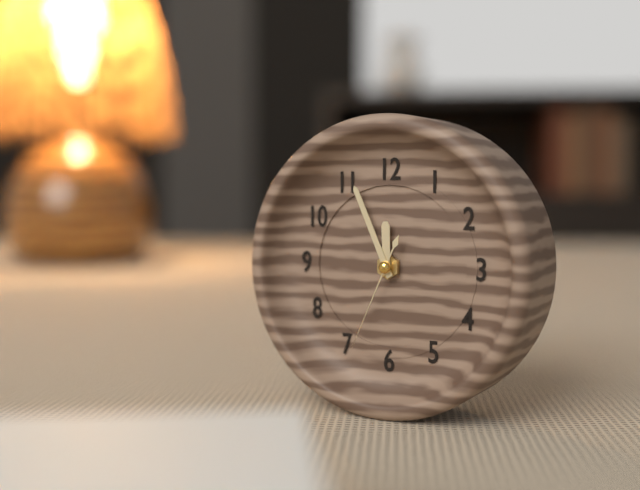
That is 11.56.34
